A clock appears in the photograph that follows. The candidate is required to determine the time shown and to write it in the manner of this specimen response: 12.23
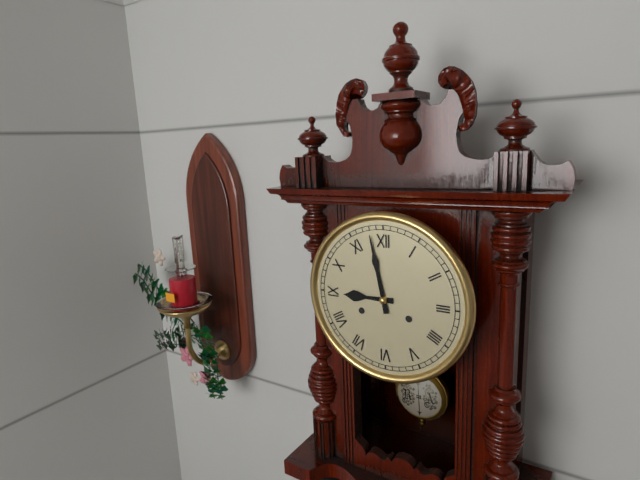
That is 8.58
